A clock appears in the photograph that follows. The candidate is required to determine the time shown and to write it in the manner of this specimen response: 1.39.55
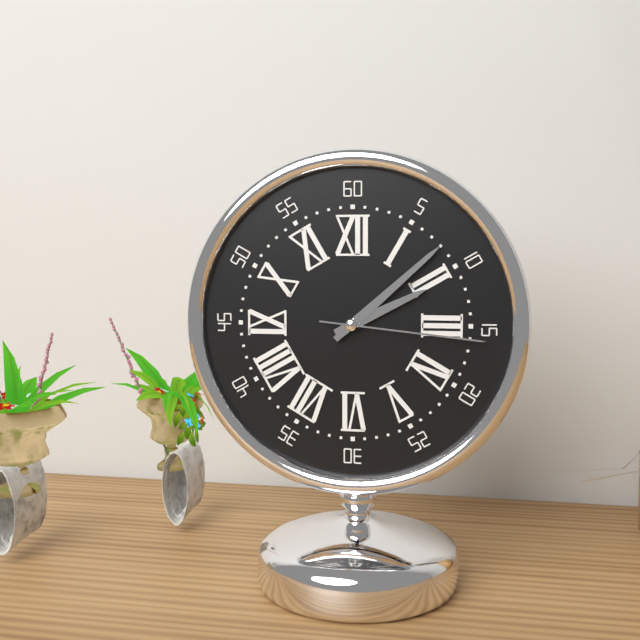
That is 2.08.16
